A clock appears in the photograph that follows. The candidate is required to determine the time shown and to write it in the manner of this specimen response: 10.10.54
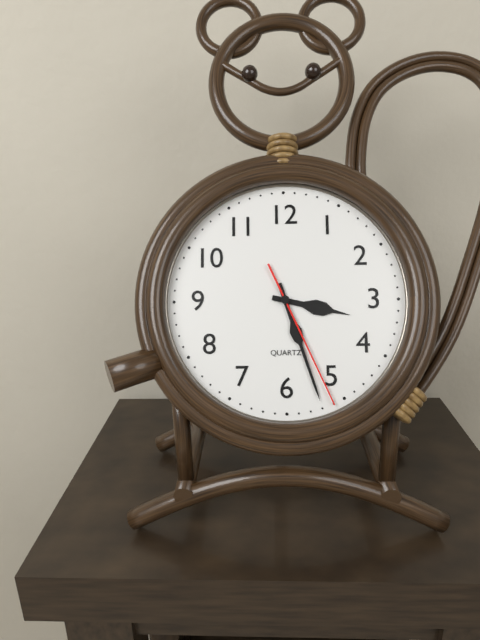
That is 3.27.26
